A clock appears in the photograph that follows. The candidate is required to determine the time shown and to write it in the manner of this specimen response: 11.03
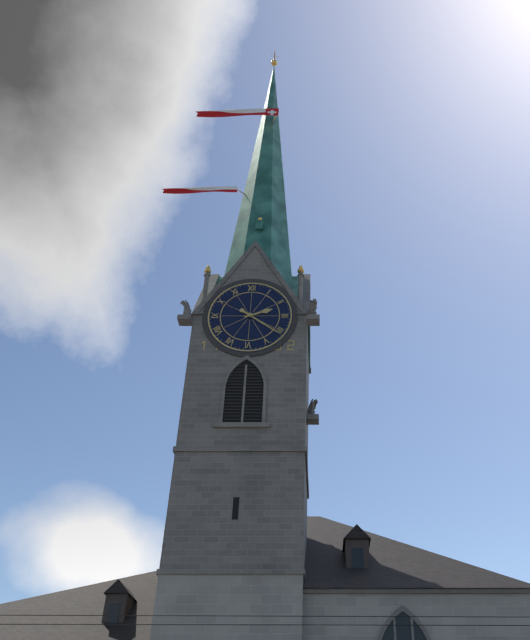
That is 2.21
